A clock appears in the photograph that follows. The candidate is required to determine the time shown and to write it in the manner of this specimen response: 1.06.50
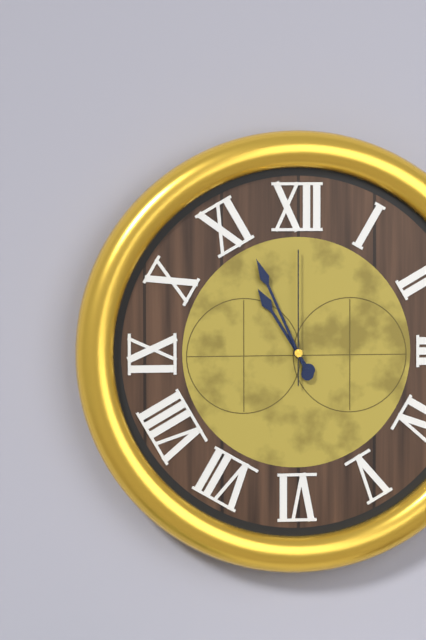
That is 10.56.00
